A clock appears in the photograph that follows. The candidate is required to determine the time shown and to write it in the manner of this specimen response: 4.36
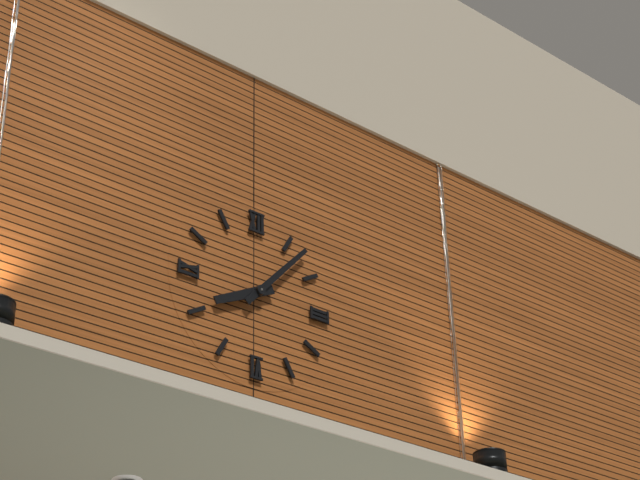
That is 8.07
